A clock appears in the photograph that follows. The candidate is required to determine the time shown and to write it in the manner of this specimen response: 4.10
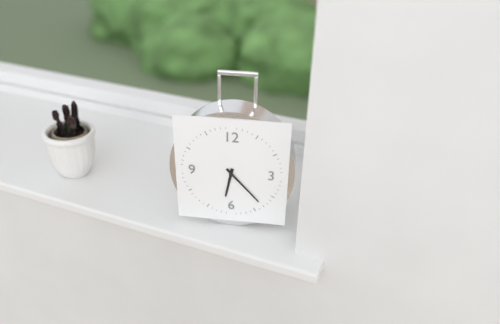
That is 6.23
